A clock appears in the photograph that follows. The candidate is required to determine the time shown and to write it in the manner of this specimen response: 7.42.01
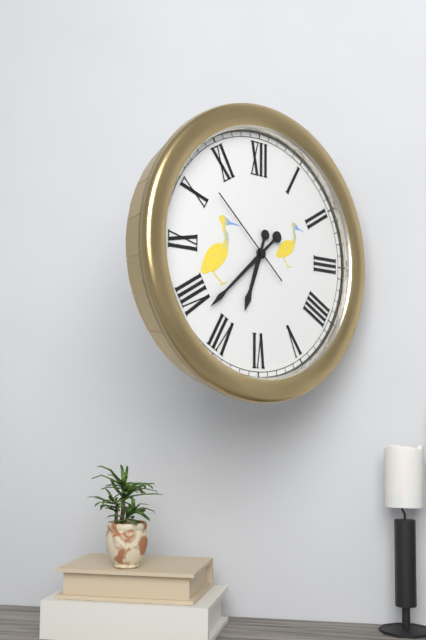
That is 6.38.52
